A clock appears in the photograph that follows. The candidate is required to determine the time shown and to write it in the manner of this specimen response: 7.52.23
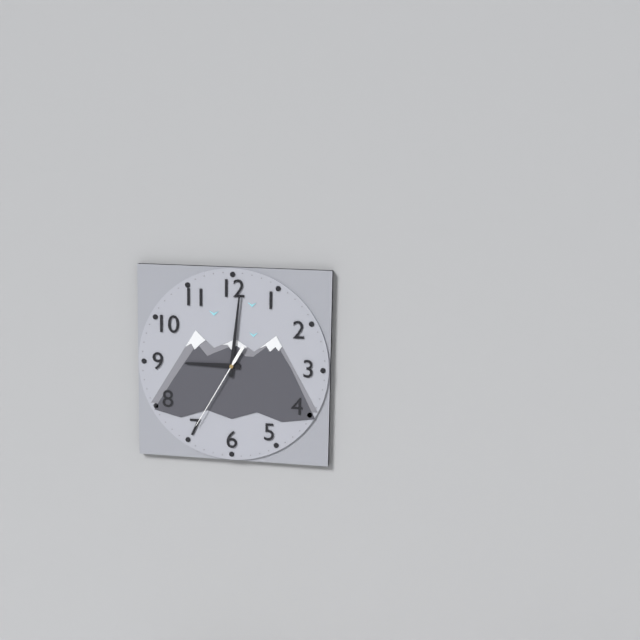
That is 9.01.35
